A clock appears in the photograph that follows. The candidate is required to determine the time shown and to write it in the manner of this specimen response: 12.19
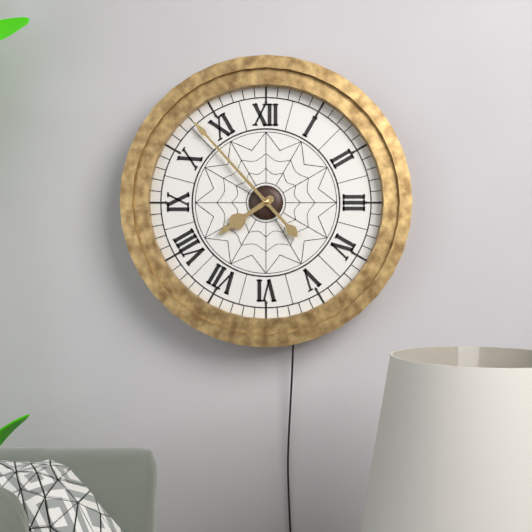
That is 7.53
